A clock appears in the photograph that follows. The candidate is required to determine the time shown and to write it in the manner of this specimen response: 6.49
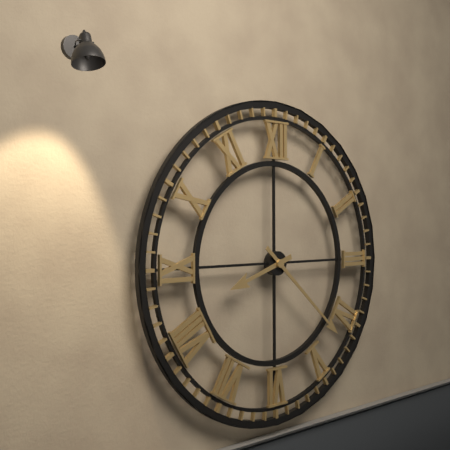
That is 8.22
